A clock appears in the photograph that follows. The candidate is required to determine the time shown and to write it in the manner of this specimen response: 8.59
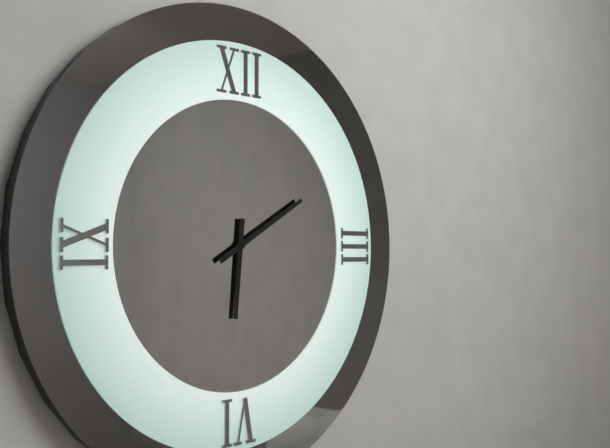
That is 6.10
